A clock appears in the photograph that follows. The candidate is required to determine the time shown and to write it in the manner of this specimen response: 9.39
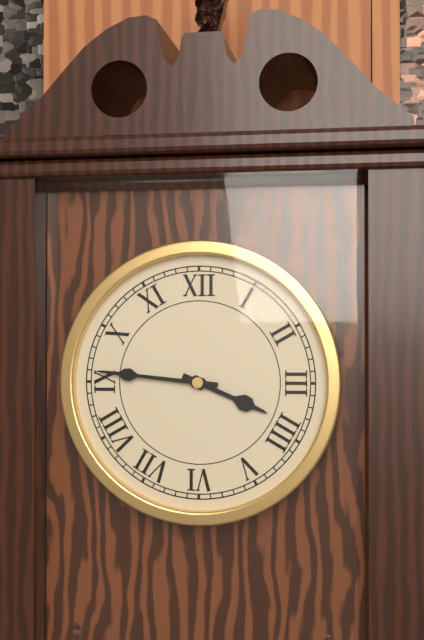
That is 3.46
